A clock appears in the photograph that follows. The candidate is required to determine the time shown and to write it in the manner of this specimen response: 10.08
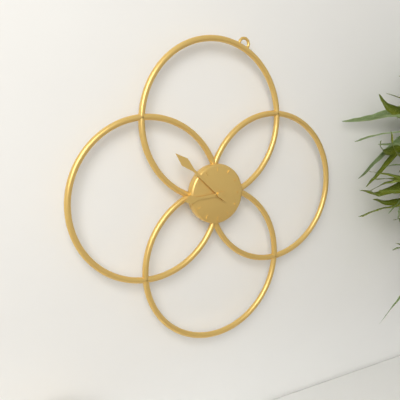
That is 8.52
